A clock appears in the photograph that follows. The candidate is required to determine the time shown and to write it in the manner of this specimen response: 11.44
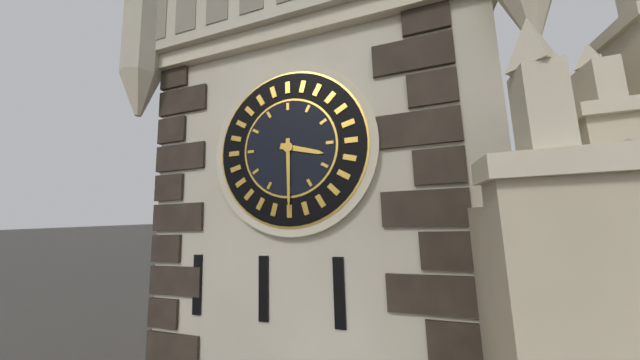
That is 3.30
